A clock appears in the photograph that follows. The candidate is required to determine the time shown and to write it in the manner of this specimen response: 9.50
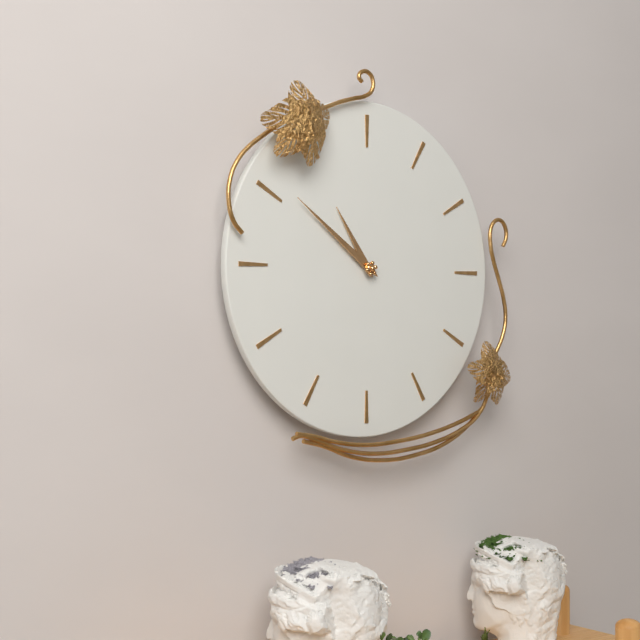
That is 10.51
